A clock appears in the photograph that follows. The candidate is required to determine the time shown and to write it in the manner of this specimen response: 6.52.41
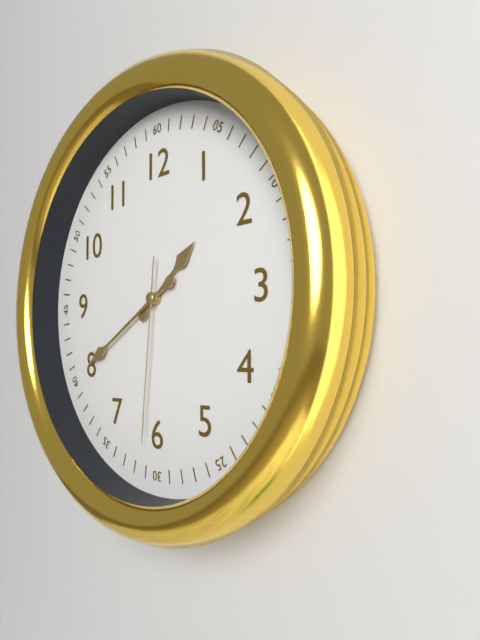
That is 1.40.31
